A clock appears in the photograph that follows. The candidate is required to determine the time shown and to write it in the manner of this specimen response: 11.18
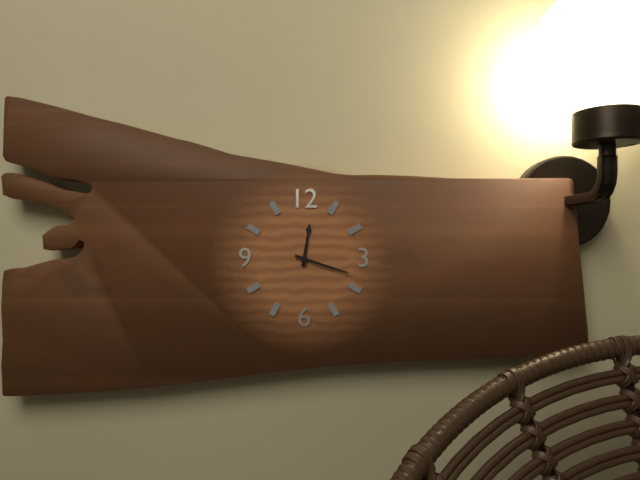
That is 12.18
